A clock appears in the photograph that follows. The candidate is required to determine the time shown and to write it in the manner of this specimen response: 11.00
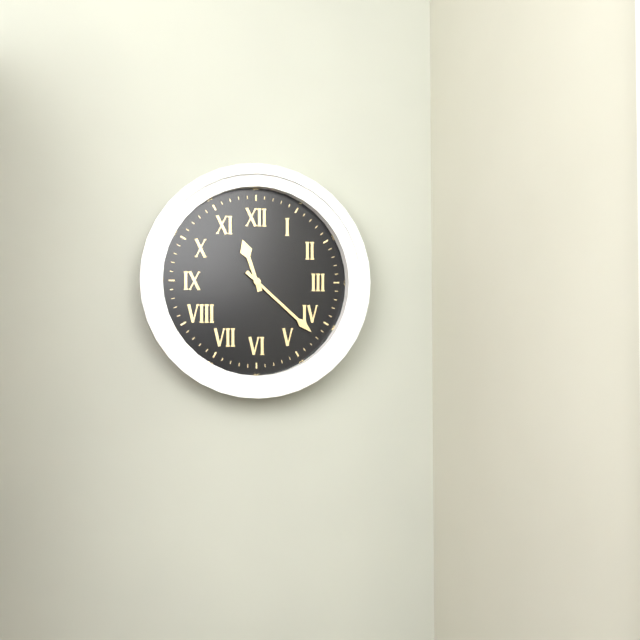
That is 11.22
